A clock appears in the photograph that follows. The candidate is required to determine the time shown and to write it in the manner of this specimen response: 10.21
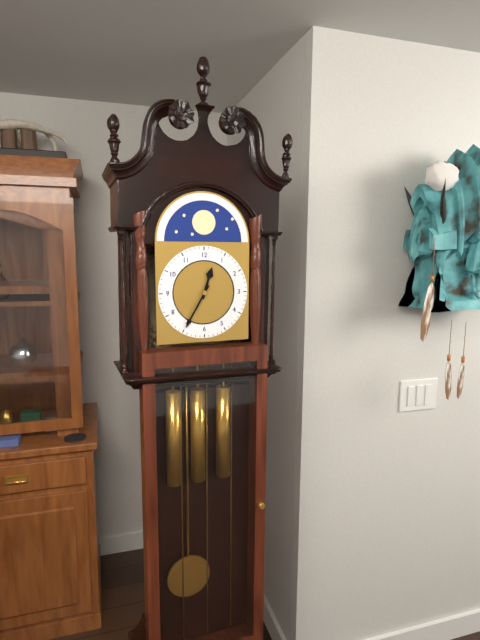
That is 12.35
